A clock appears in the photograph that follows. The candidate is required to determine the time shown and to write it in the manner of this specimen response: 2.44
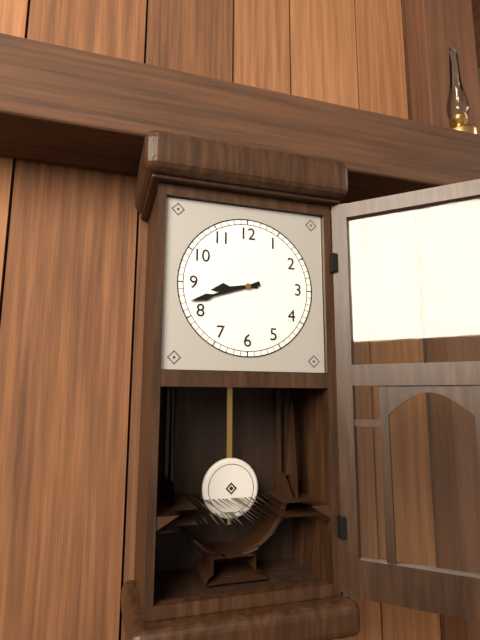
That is 8.42
